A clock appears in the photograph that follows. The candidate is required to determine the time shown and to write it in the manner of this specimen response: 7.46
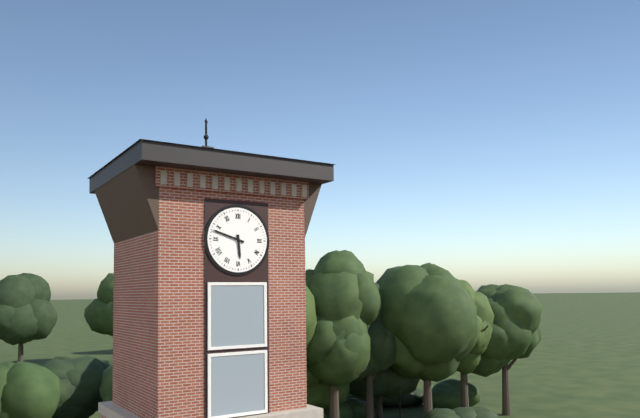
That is 5.48
